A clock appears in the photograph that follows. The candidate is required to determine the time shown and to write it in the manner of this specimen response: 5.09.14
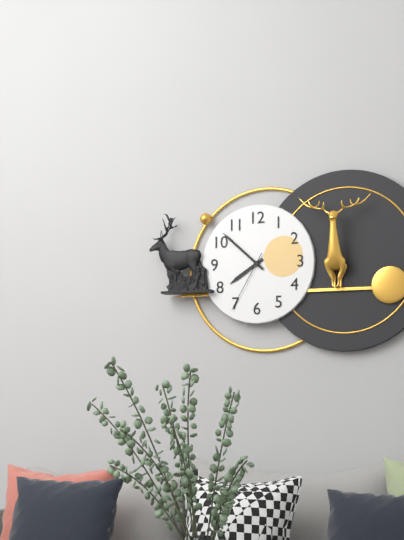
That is 7.52.35
